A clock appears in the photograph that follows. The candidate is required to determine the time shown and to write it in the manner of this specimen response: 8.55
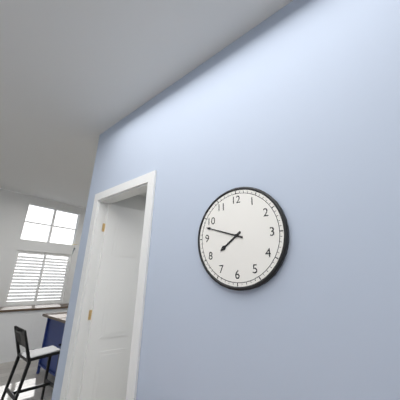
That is 7.48
